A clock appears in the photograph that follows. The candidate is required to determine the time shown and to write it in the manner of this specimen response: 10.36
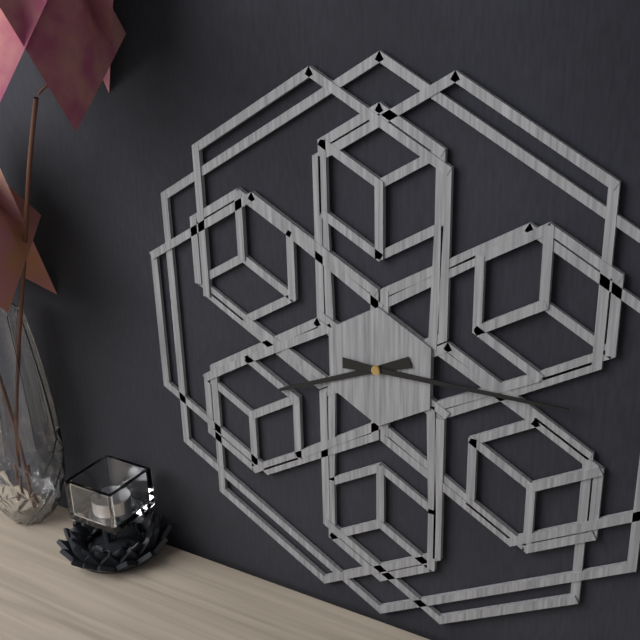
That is 8.15
